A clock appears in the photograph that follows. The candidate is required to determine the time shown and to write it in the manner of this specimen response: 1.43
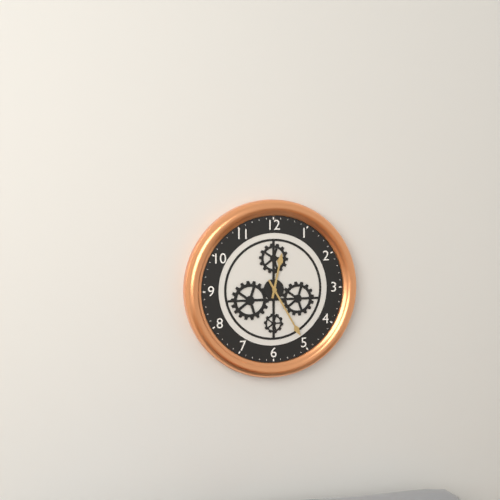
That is 12.25
